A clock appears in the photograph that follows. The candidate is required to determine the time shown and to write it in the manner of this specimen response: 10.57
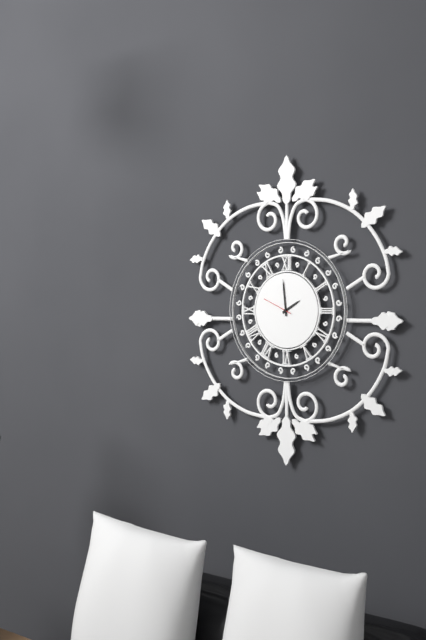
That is 1.59
